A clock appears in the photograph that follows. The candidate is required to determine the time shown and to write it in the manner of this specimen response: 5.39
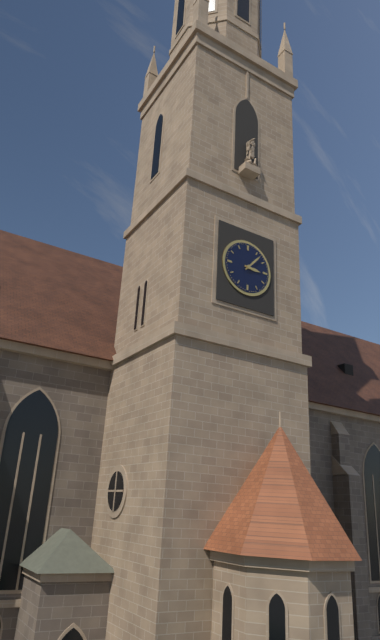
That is 3.07
